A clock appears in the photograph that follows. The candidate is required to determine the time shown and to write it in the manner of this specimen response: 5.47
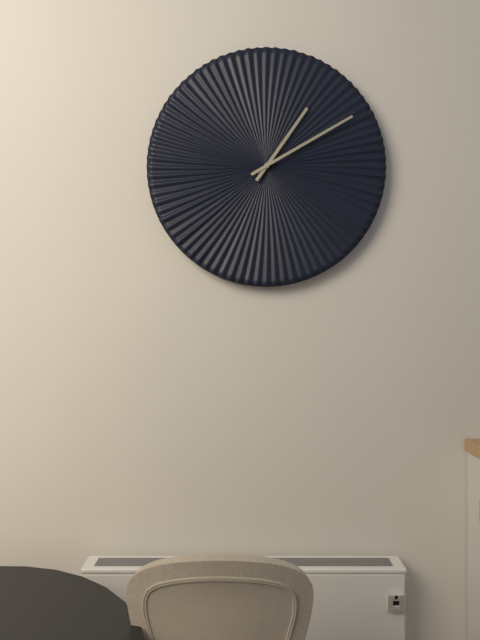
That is 1.10
